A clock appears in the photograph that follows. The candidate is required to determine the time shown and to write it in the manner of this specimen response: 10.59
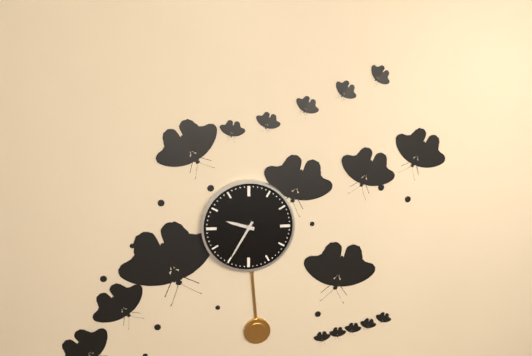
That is 9.35
